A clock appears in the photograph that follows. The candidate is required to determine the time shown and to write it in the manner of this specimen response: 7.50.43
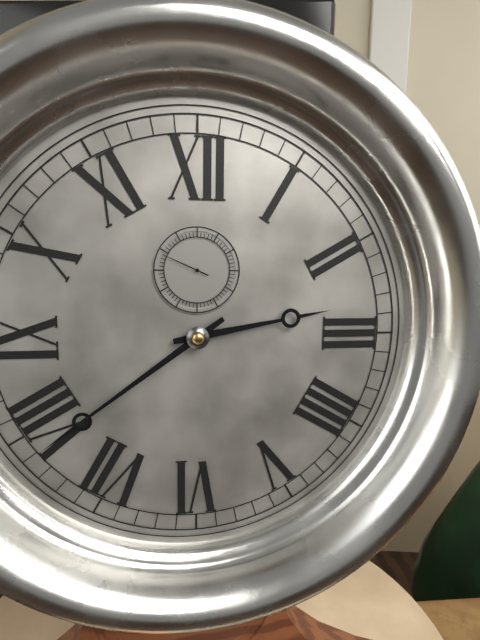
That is 2.39.49
